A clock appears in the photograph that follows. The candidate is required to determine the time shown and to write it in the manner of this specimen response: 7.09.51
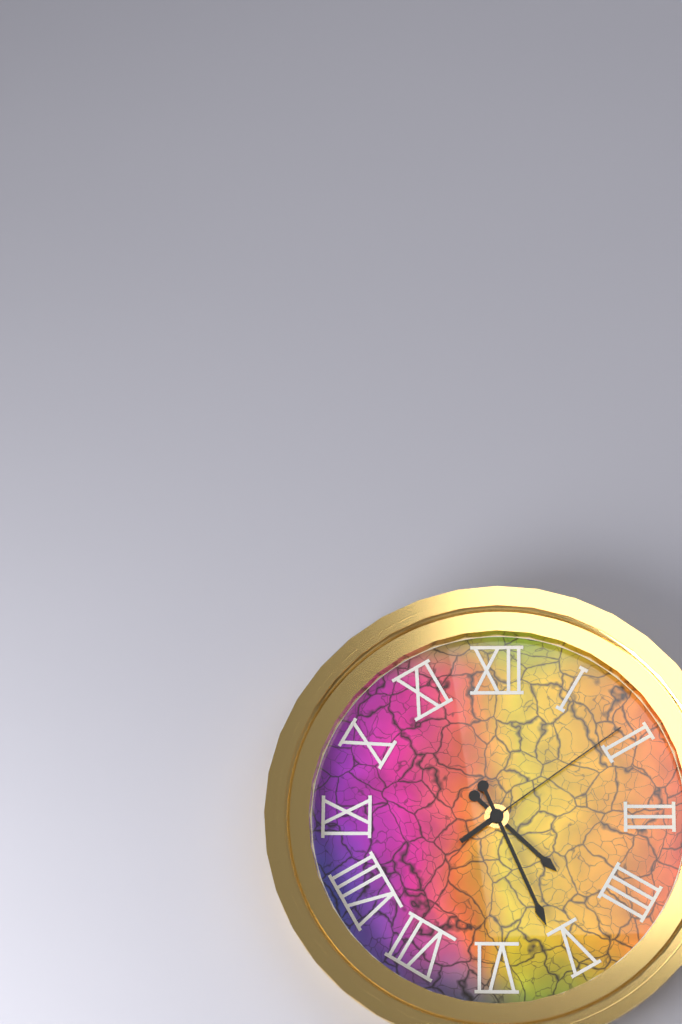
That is 4.26.09
